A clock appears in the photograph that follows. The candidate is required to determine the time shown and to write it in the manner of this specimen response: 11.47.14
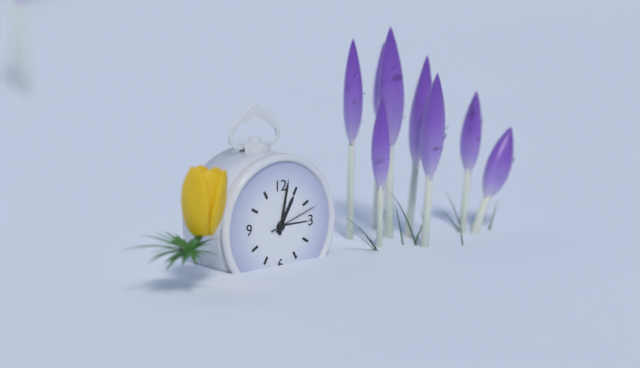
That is 1.02.12
